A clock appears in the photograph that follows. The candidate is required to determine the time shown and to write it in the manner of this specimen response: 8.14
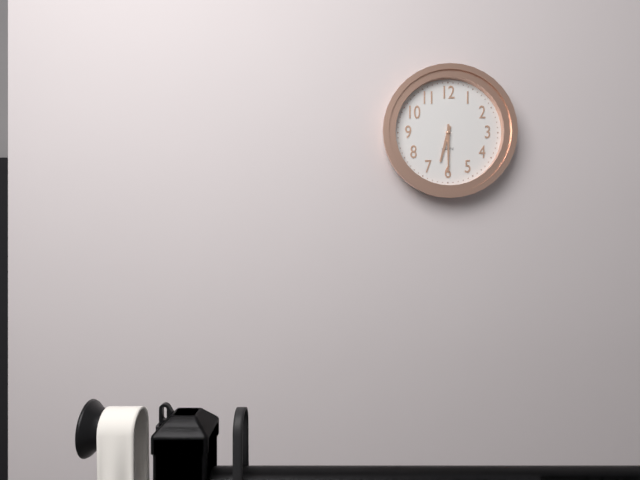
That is 6.30
